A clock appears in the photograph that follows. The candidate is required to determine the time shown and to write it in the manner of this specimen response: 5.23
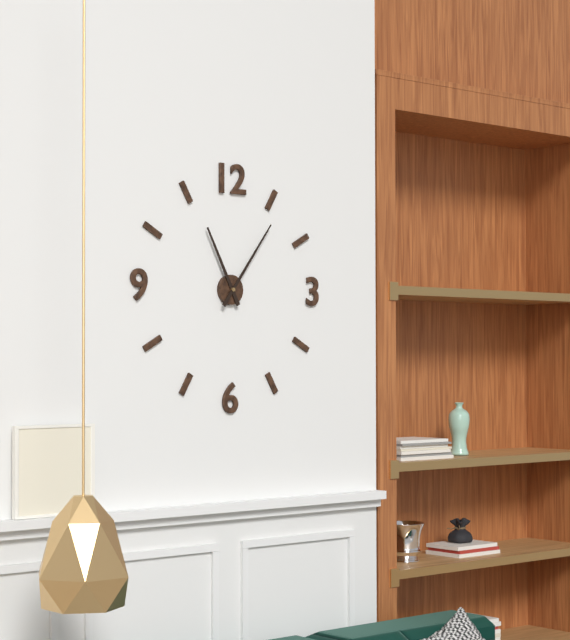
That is 11.06
